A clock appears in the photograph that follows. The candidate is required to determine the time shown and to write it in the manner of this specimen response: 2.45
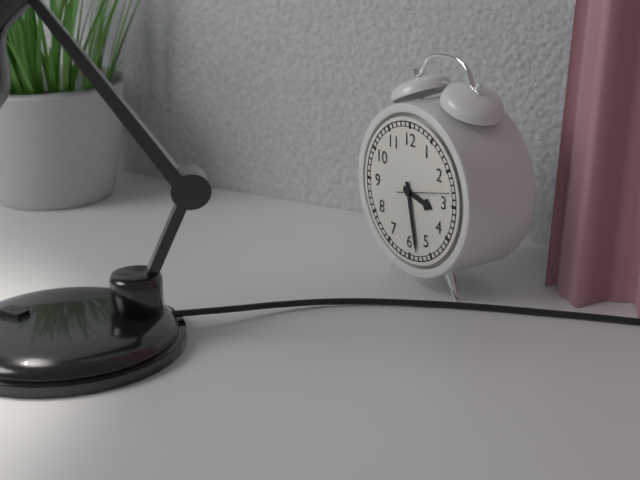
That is 3.28
